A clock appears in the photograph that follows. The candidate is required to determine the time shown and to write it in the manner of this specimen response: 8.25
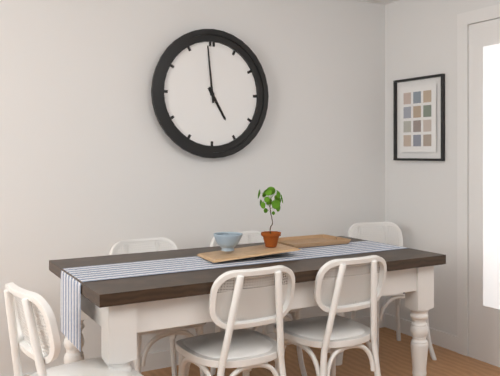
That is 4.59
